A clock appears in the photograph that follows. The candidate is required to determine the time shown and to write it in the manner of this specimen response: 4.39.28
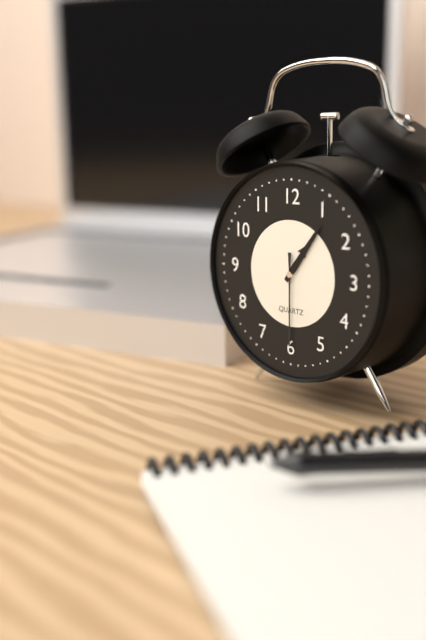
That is 1.06.30
